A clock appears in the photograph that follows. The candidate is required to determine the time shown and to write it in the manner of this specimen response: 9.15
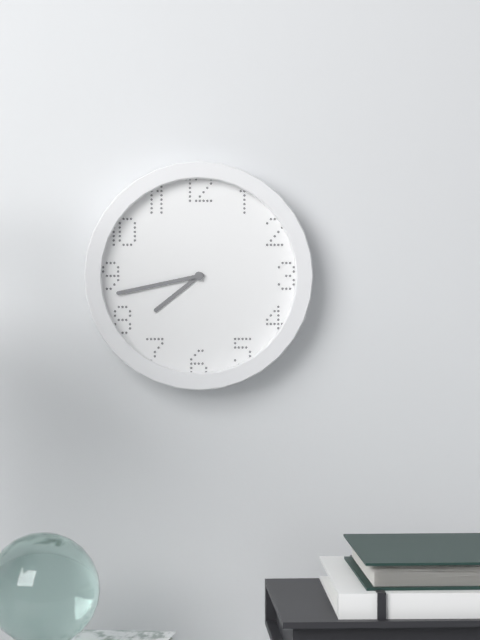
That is 7.43
